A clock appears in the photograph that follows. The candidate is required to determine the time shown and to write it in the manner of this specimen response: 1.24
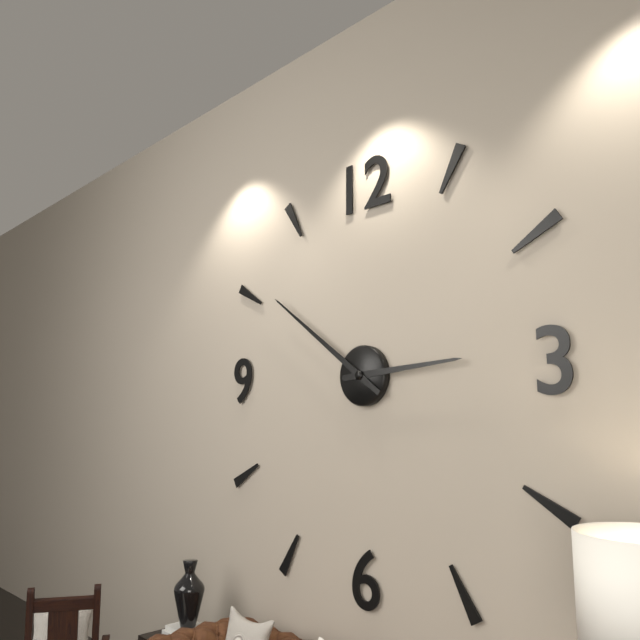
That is 2.51
